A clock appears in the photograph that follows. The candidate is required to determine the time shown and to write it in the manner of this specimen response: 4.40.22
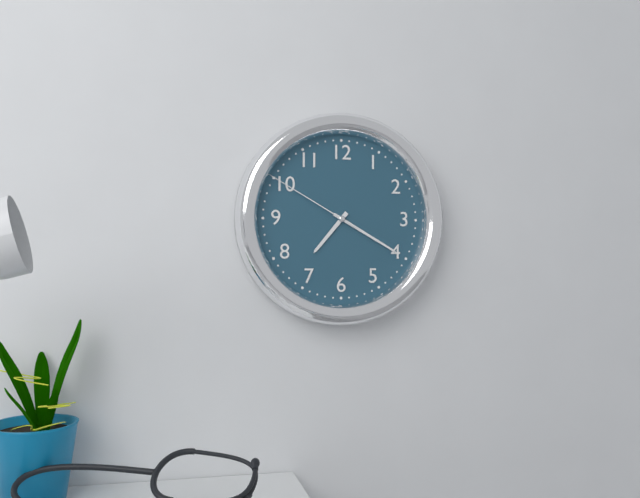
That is 7.20.50
